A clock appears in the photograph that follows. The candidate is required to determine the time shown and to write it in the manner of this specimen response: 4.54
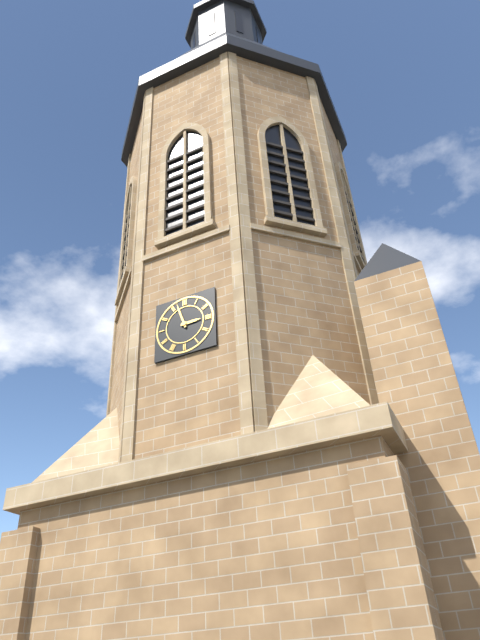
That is 2.57
